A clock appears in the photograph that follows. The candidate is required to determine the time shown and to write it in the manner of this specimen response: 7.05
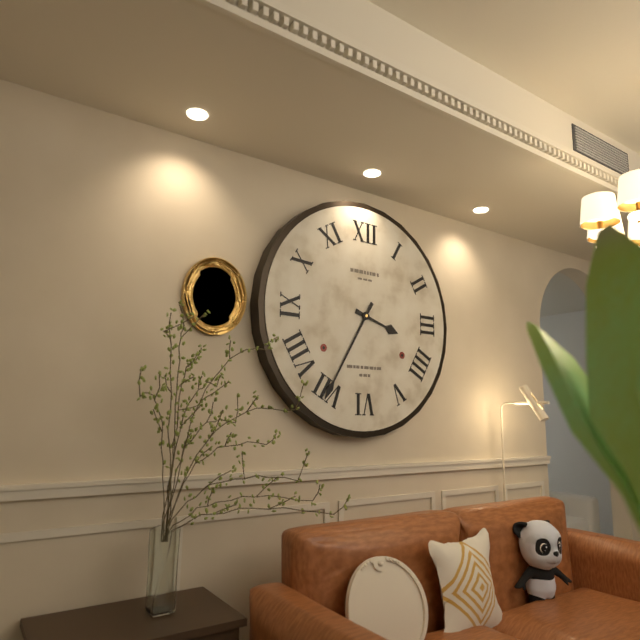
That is 3.35
